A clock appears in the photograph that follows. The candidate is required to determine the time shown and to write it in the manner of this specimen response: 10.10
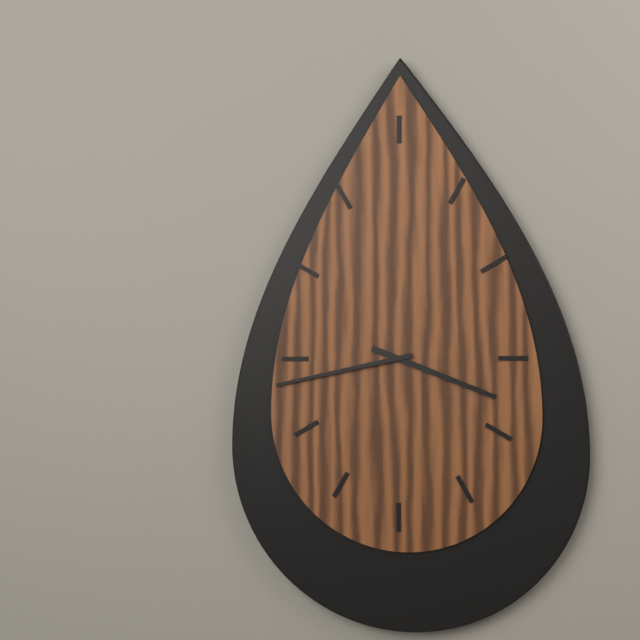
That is 3.43
